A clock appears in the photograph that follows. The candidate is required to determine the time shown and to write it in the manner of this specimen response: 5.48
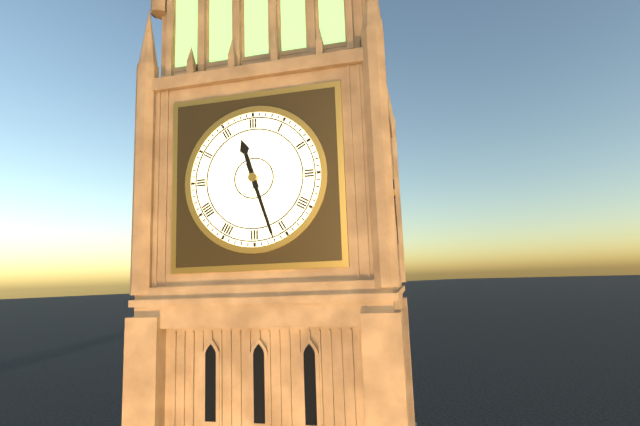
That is 11.27
